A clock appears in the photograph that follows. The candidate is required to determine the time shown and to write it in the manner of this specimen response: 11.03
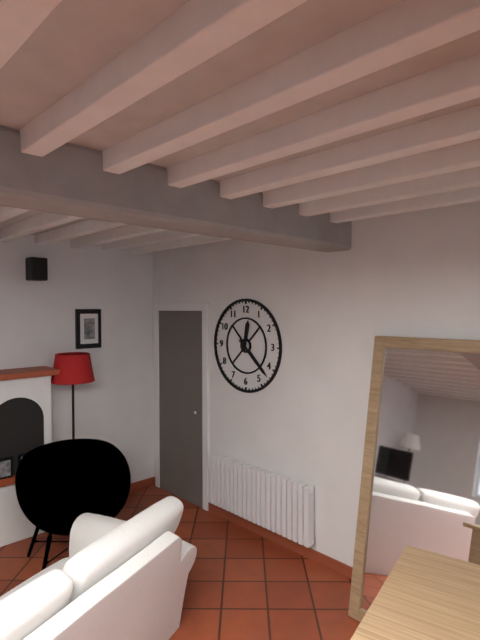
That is 12.22
